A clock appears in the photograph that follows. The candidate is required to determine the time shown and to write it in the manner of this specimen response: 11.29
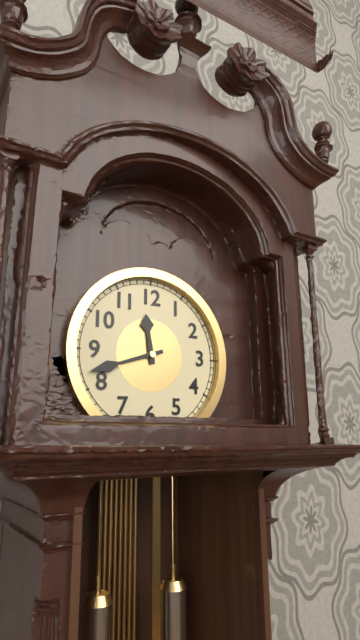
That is 11.42
